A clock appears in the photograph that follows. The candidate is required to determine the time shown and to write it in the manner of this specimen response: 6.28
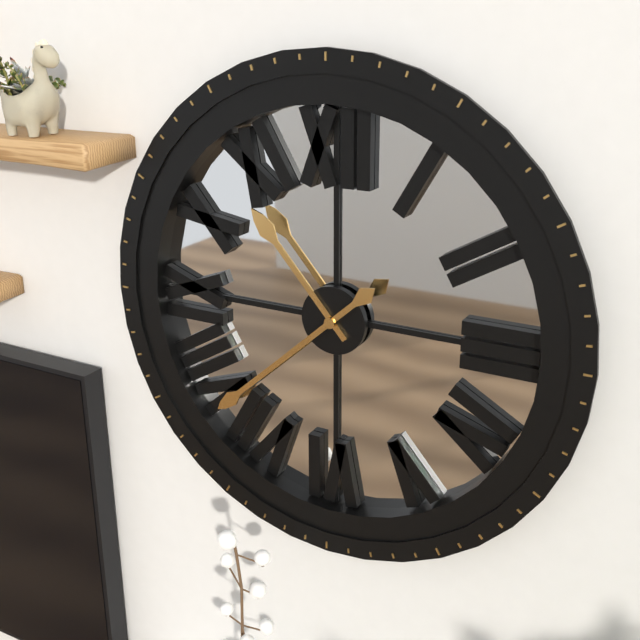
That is 10.38
